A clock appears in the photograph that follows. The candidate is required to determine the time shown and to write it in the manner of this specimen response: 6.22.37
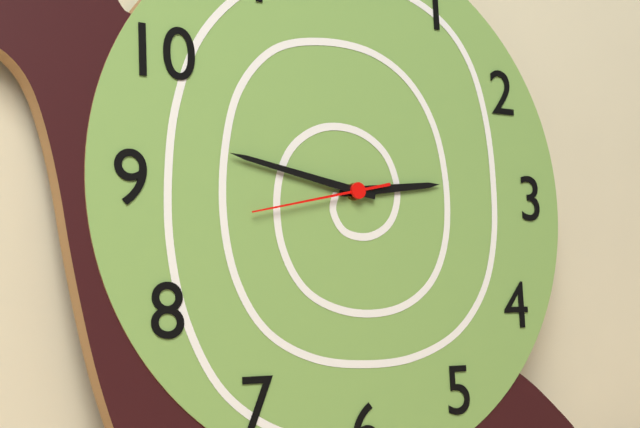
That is 2.47.43
